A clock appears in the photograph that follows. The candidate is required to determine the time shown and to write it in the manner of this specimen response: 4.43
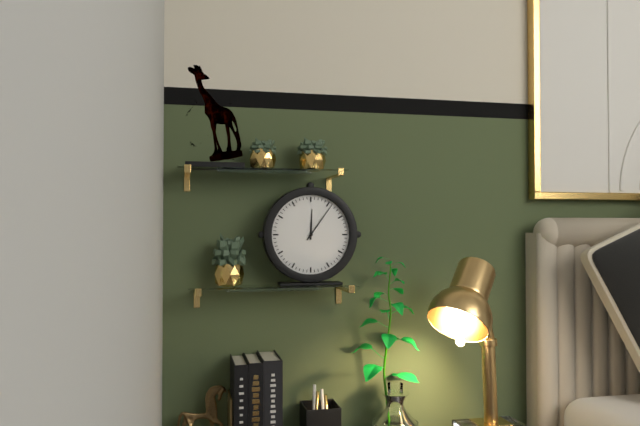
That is 12.06
